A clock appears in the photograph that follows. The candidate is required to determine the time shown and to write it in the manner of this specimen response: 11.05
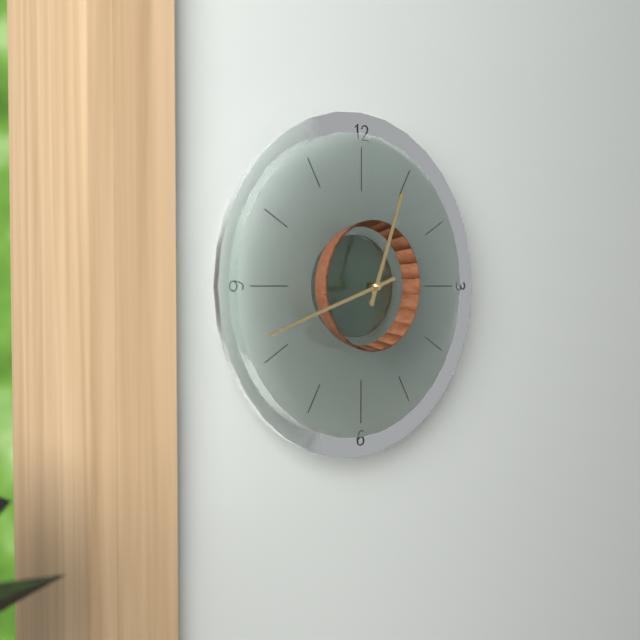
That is 12.42
